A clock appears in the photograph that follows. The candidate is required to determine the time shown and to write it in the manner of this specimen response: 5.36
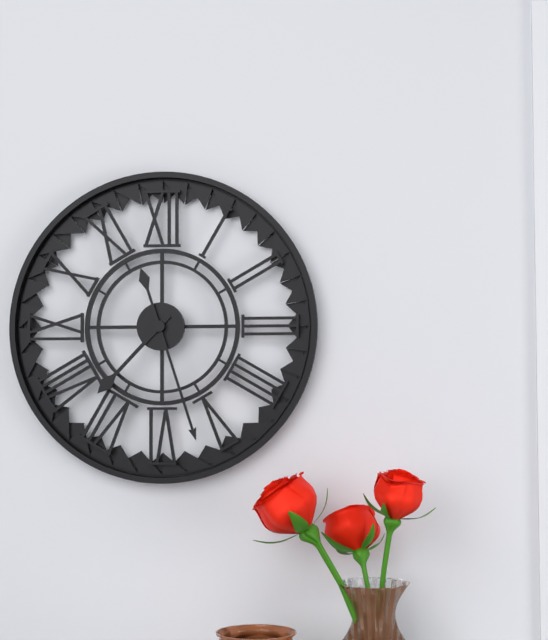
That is 7.27
